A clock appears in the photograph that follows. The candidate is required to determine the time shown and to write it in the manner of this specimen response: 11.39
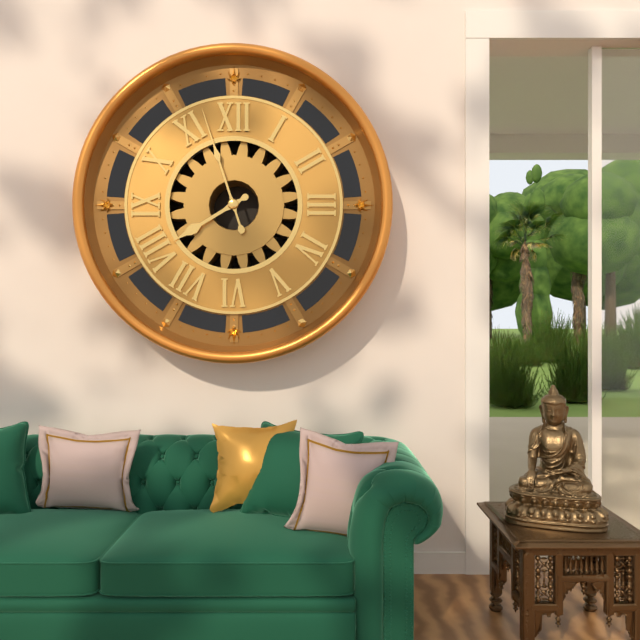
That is 7.57
